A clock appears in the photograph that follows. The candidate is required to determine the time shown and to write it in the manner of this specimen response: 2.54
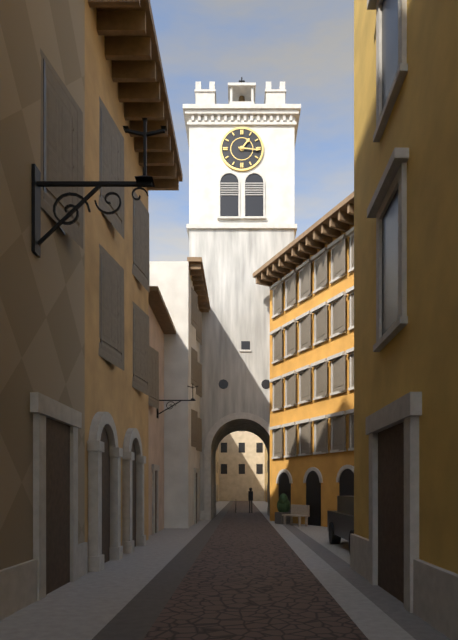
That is 1.16
